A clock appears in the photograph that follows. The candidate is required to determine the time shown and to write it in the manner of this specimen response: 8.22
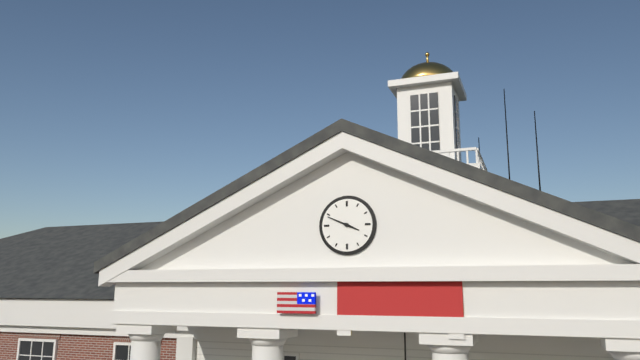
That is 3.49
